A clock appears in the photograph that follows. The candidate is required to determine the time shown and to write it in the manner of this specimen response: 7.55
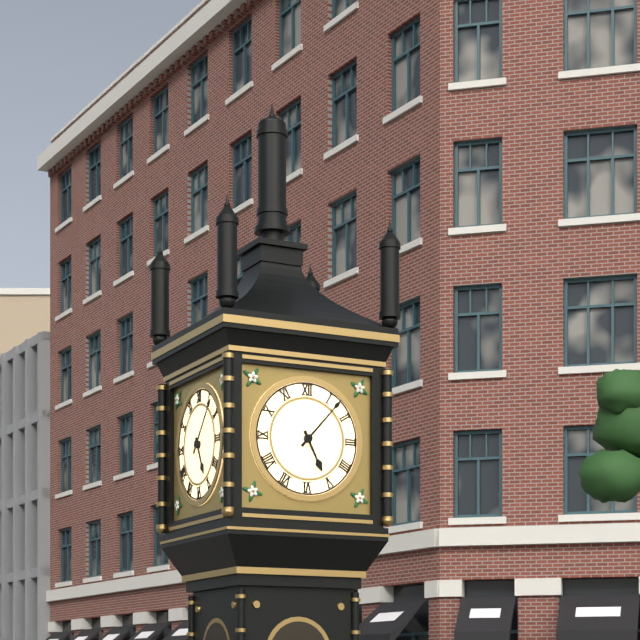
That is 5.07
